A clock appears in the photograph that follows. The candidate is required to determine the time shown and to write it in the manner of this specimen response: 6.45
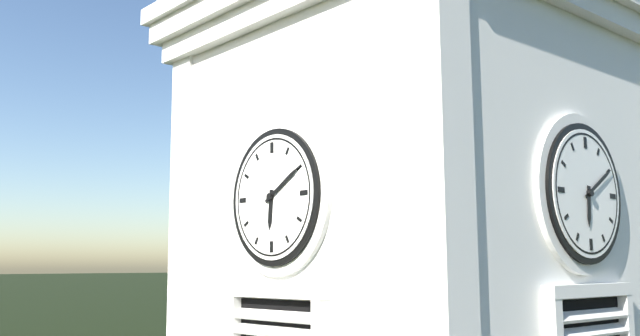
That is 6.10
